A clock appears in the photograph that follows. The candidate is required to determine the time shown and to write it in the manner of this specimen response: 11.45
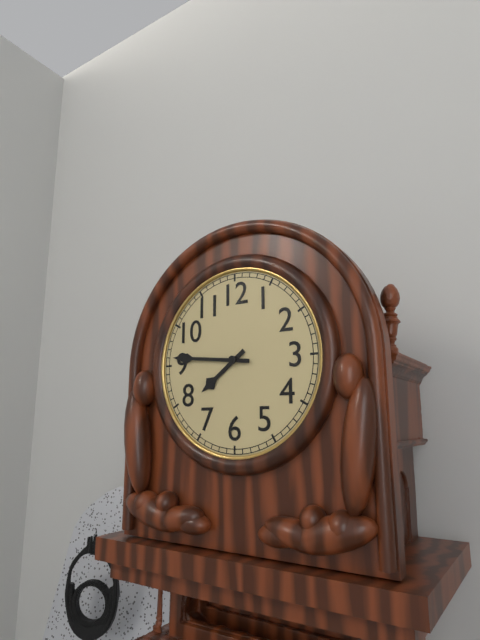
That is 7.46
